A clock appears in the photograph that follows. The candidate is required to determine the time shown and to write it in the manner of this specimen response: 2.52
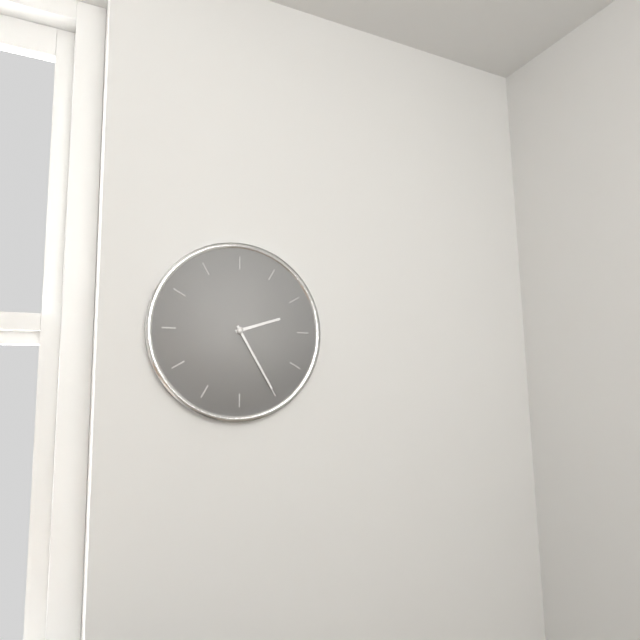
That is 2.25
